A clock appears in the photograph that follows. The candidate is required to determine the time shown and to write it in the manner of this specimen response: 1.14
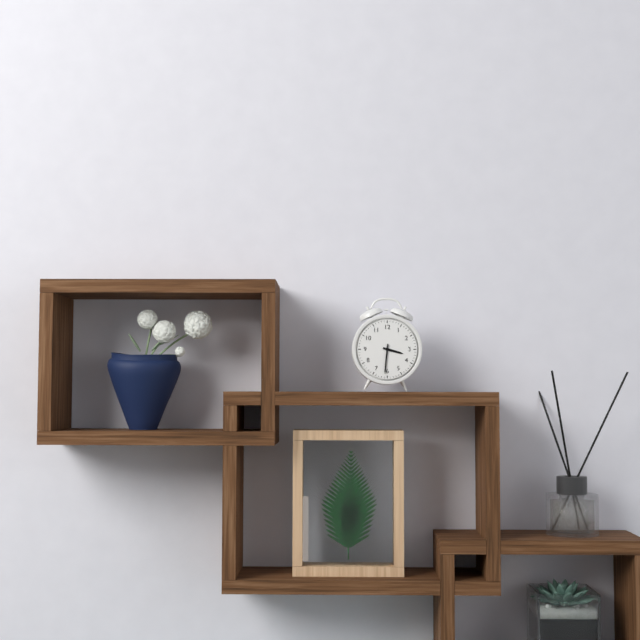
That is 3.31
